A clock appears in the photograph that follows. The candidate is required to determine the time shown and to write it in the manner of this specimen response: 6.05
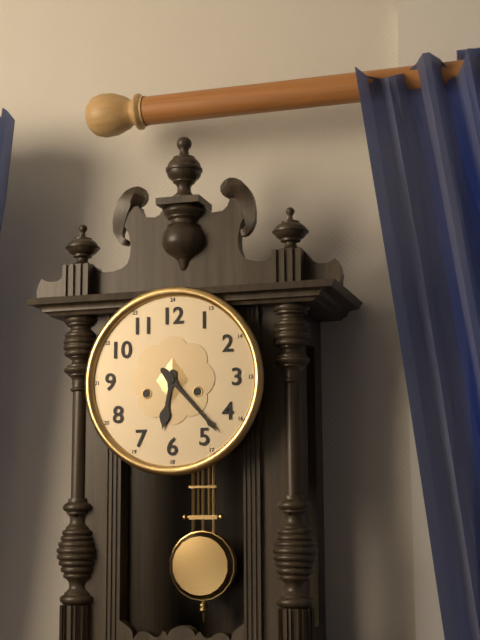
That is 6.23
